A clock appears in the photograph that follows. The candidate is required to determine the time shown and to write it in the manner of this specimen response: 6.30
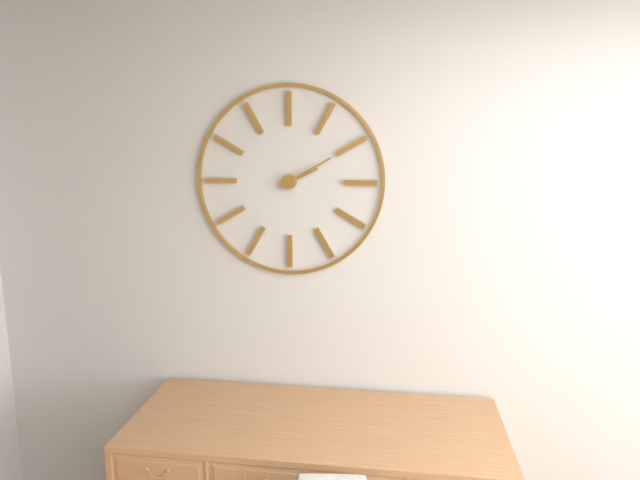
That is 2.10
